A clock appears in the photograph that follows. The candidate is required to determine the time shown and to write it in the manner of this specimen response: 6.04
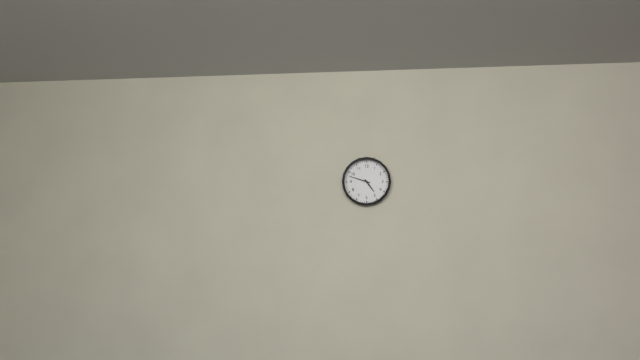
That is 4.48
